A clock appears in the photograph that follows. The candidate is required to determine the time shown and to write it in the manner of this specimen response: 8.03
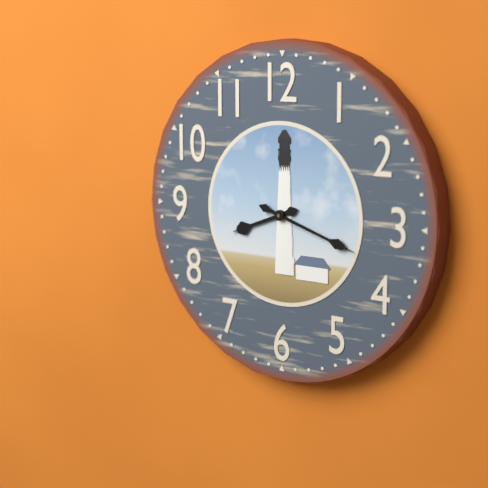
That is 8.18
